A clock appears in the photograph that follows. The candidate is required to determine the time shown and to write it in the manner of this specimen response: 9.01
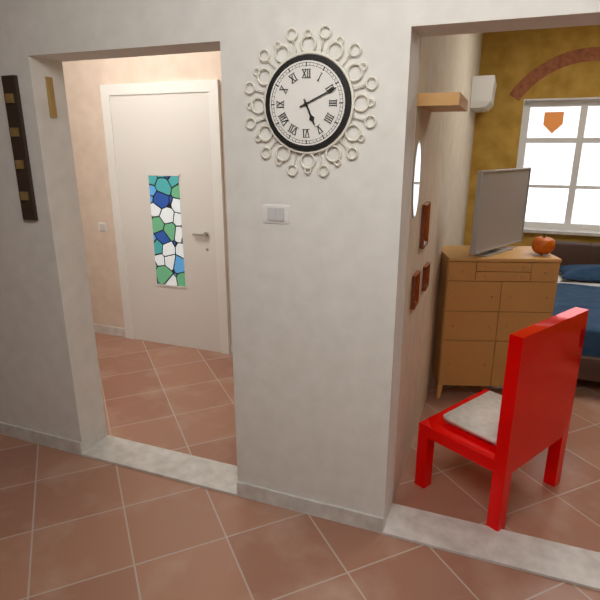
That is 5.11
